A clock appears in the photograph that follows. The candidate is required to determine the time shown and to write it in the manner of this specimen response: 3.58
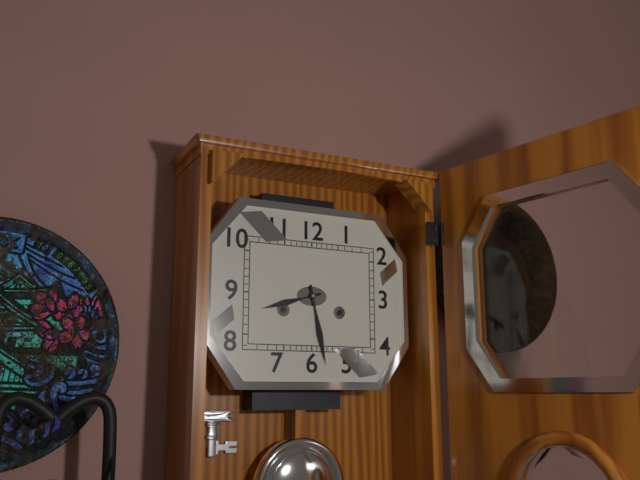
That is 8.28
